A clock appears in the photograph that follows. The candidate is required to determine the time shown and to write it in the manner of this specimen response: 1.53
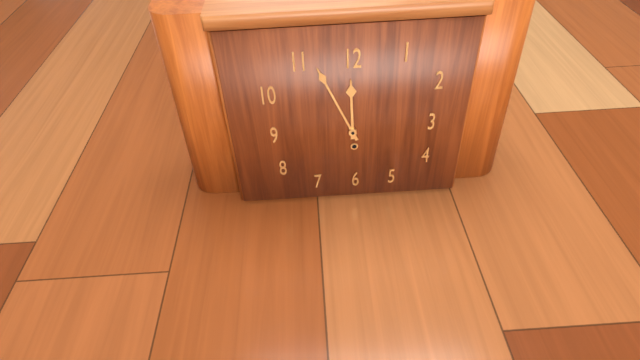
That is 11.56
